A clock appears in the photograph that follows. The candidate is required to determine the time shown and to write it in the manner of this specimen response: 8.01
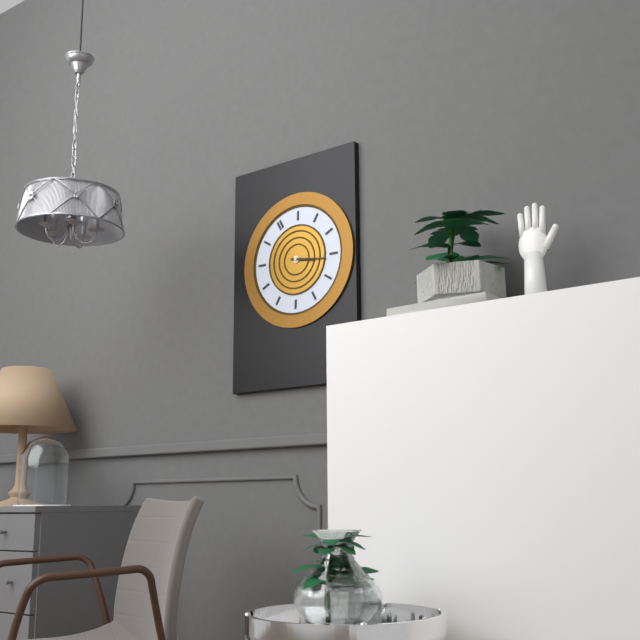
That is 4.21
